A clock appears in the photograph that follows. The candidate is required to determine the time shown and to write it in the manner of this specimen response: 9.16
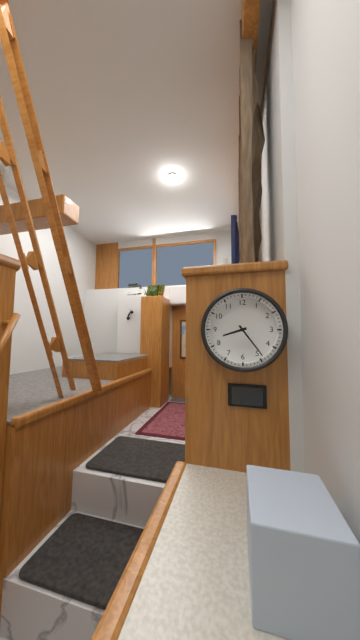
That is 8.24
